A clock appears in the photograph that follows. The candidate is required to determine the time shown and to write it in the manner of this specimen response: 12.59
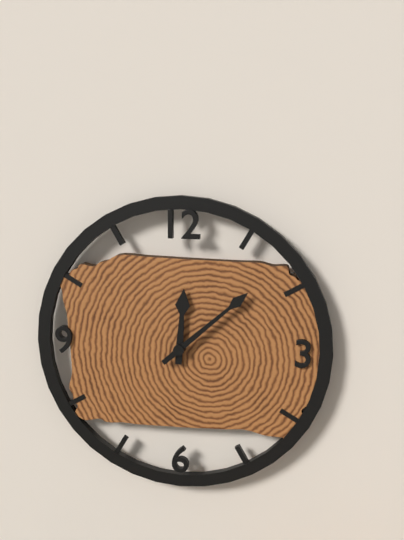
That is 12.08
